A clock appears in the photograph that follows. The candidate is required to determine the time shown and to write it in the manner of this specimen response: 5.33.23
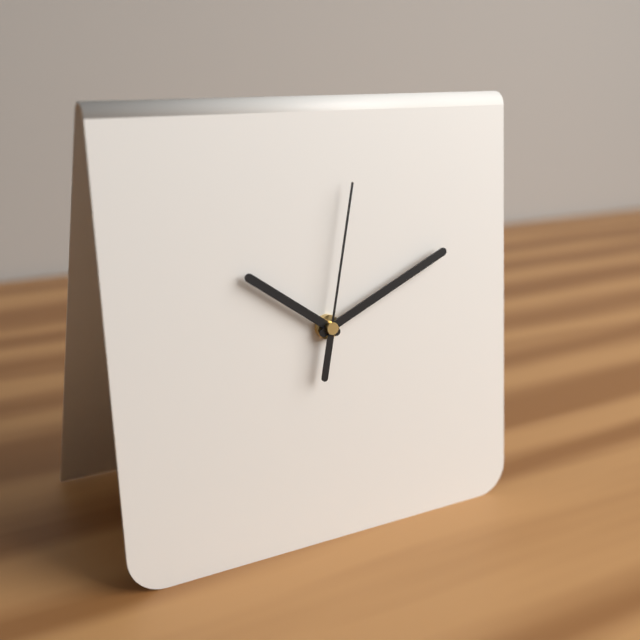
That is 10.11.02
